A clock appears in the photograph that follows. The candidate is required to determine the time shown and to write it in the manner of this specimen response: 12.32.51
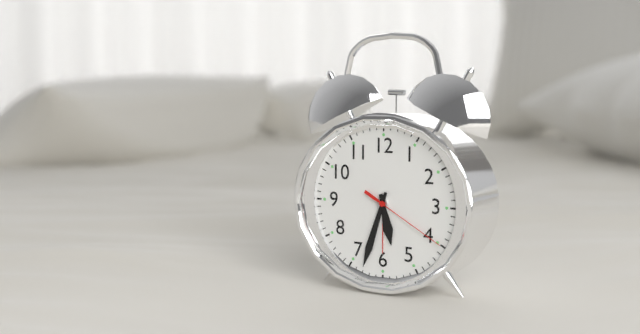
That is 5.33.20
